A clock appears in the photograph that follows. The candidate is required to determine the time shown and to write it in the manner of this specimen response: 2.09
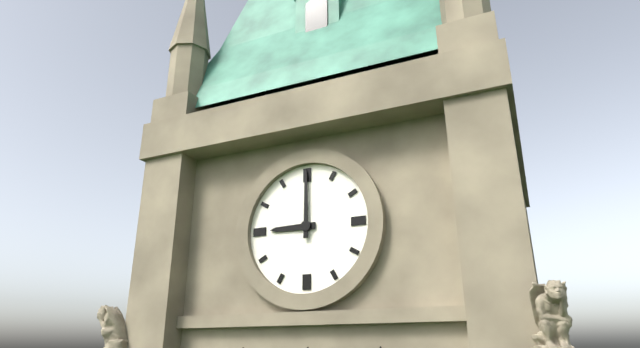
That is 9.00
